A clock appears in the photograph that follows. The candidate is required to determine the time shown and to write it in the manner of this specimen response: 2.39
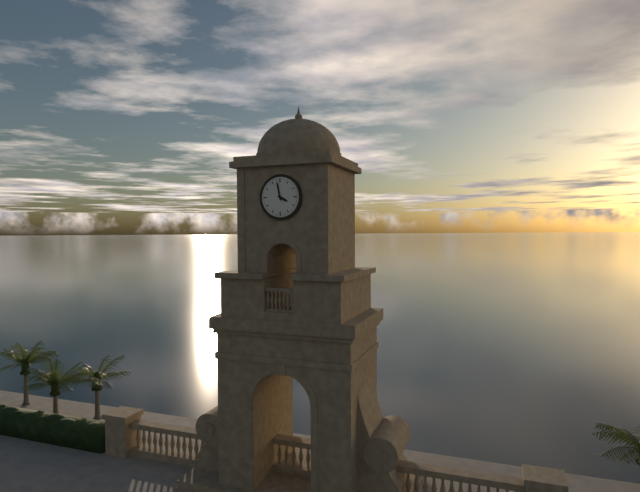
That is 3.58
